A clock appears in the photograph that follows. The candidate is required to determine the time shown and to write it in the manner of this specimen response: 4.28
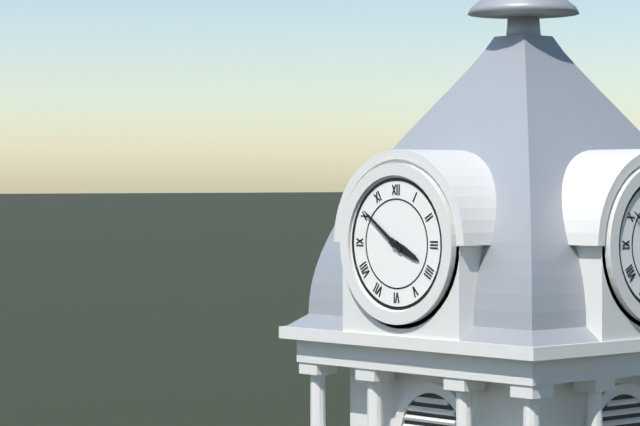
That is 3.51
